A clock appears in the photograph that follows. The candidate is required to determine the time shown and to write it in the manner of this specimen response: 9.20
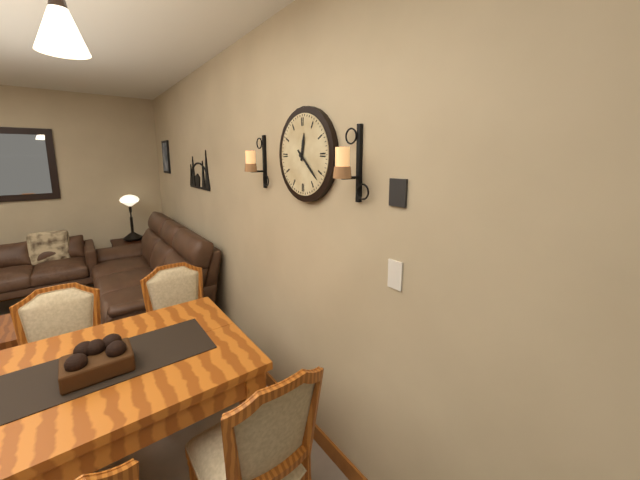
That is 12.22
